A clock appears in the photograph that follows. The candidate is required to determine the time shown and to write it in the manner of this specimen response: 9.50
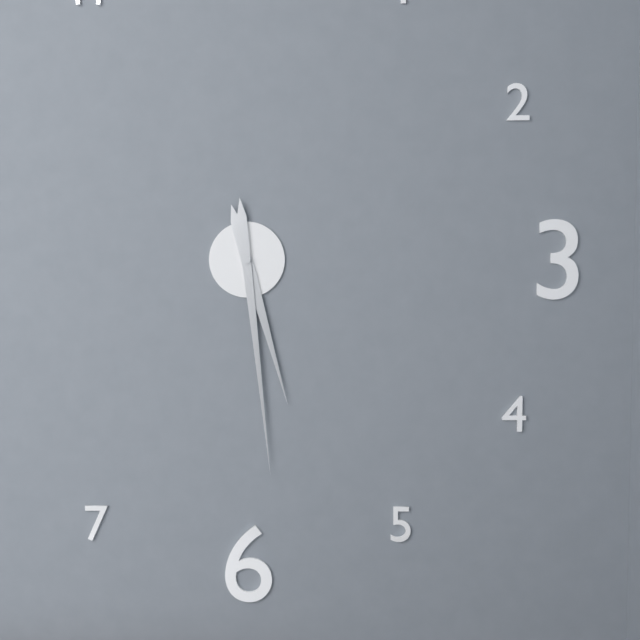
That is 5.29
